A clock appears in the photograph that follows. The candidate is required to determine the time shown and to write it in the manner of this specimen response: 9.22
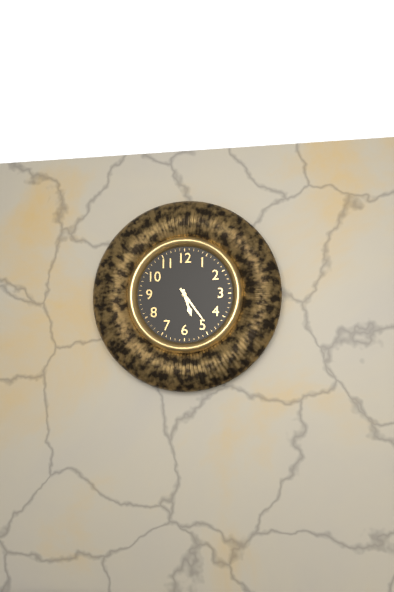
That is 5.24
